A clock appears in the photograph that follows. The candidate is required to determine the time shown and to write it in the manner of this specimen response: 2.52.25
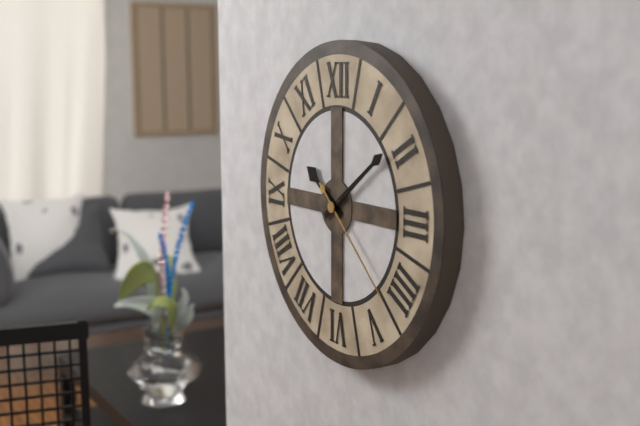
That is 10.09.22
